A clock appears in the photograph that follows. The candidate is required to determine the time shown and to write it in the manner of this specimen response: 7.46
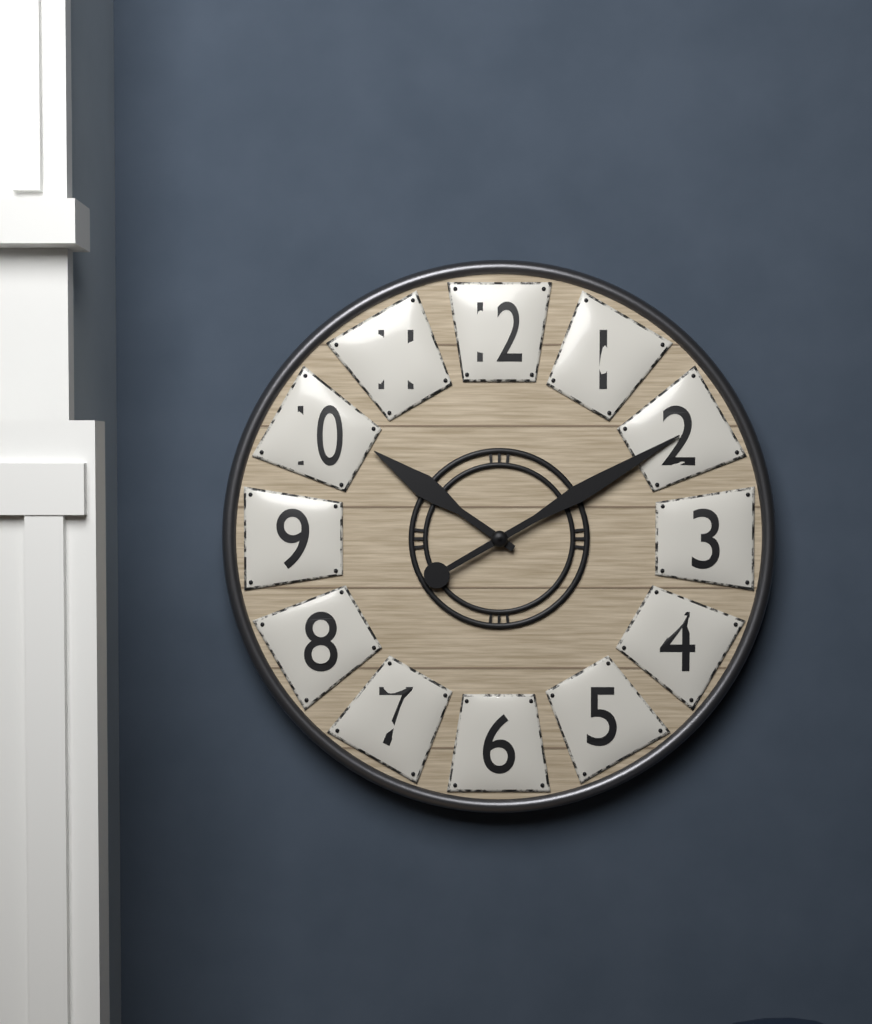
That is 10.10
